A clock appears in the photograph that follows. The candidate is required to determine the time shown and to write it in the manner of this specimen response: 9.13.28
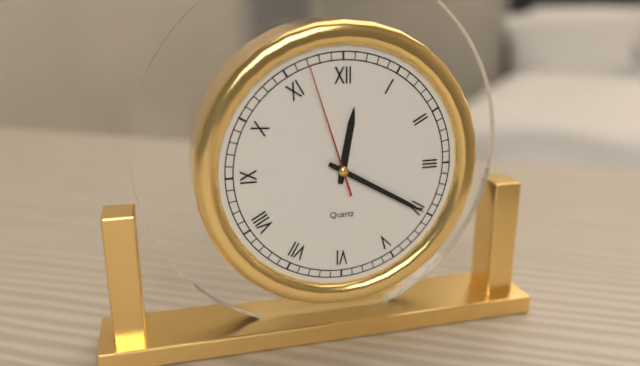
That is 12.20.57
